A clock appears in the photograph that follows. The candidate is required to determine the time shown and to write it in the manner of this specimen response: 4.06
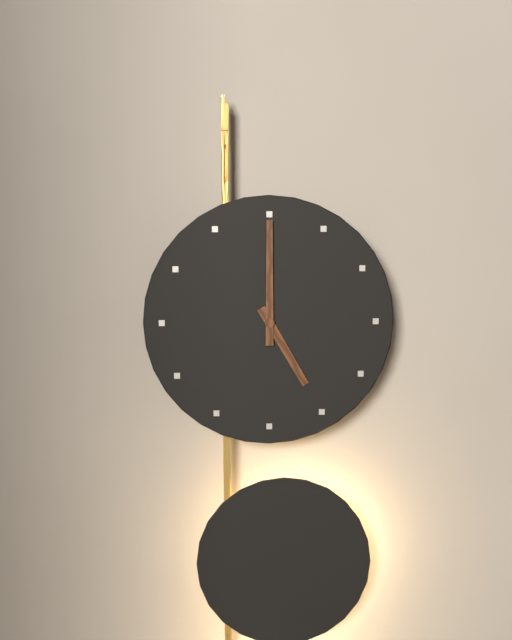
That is 5.00
